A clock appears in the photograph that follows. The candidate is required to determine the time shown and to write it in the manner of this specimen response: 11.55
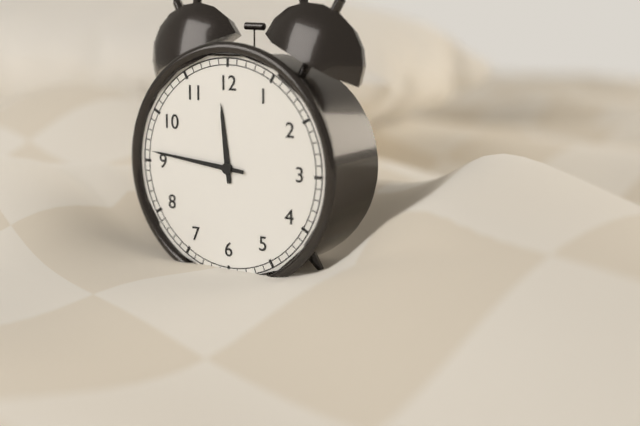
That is 11.46
